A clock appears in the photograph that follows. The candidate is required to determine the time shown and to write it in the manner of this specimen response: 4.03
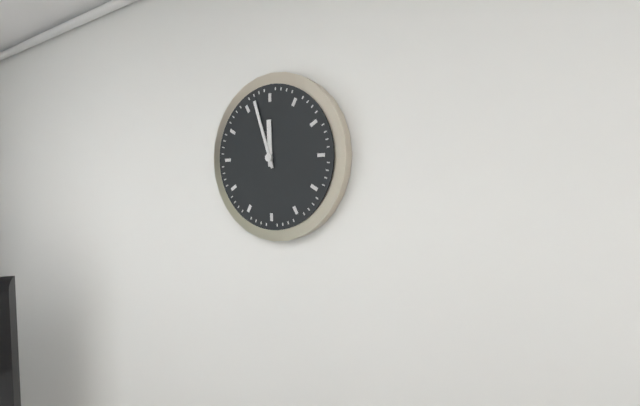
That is 11.57
